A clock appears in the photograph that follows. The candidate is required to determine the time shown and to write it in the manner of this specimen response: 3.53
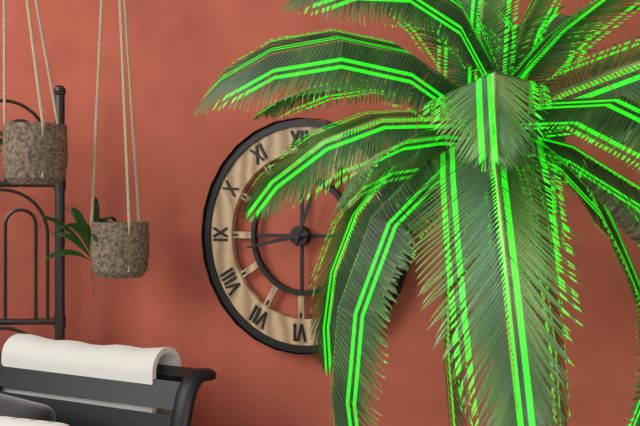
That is 12.43
